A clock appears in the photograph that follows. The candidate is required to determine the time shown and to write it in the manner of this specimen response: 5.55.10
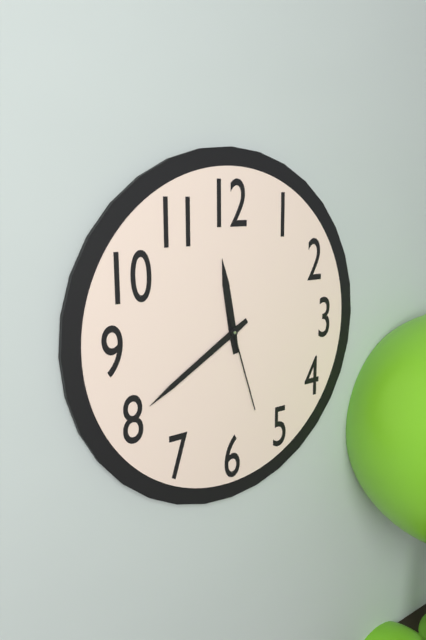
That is 11.40.27
